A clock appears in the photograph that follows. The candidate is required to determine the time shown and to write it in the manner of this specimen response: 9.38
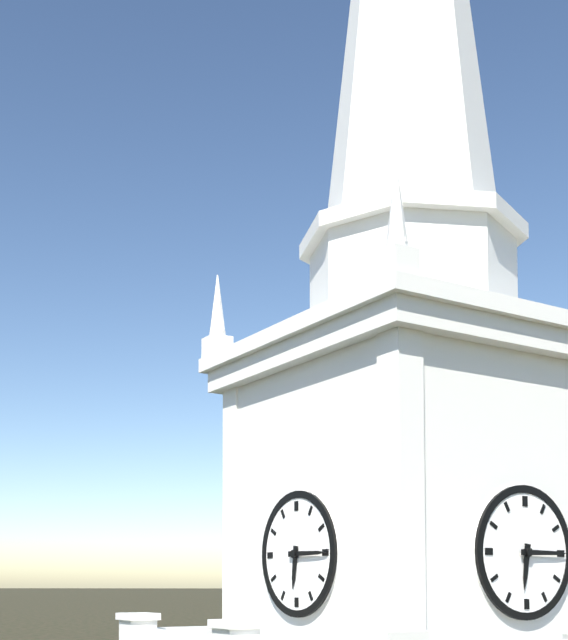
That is 6.15
